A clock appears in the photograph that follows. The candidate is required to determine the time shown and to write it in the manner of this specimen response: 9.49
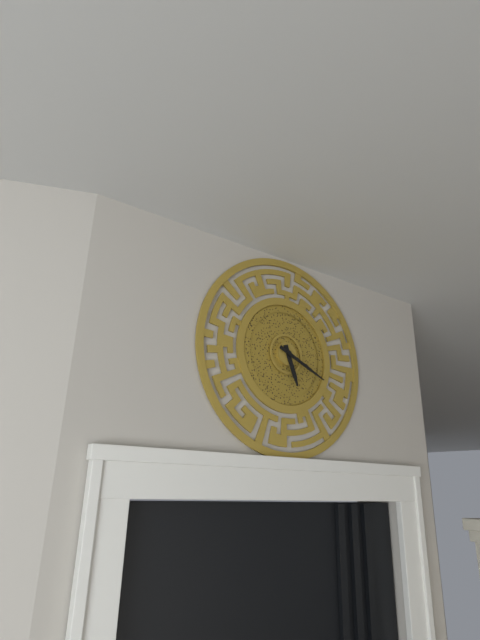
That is 5.19
